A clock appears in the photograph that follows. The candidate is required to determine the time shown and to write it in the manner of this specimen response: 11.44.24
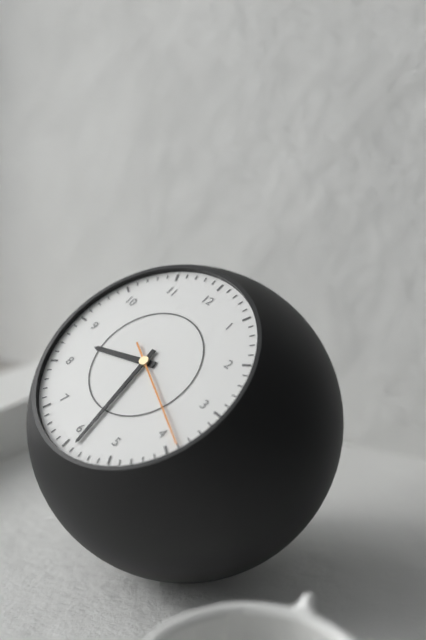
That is 8.29.19
